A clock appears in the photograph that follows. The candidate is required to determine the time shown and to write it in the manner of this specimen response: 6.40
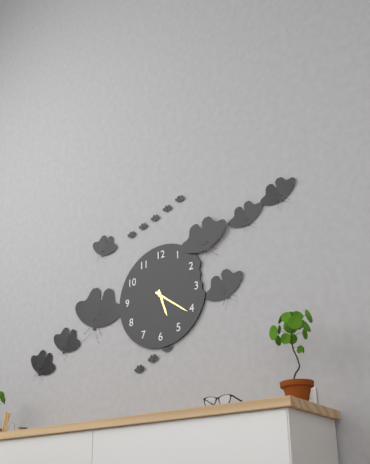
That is 5.21
